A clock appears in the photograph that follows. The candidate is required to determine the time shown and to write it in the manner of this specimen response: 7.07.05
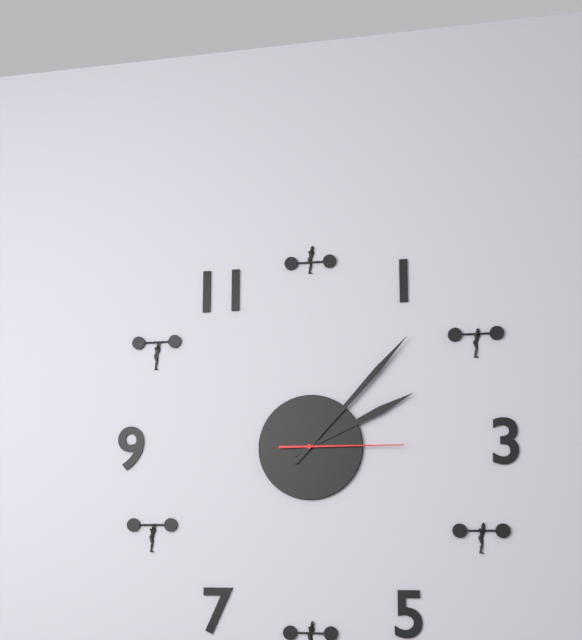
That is 2.07.15
